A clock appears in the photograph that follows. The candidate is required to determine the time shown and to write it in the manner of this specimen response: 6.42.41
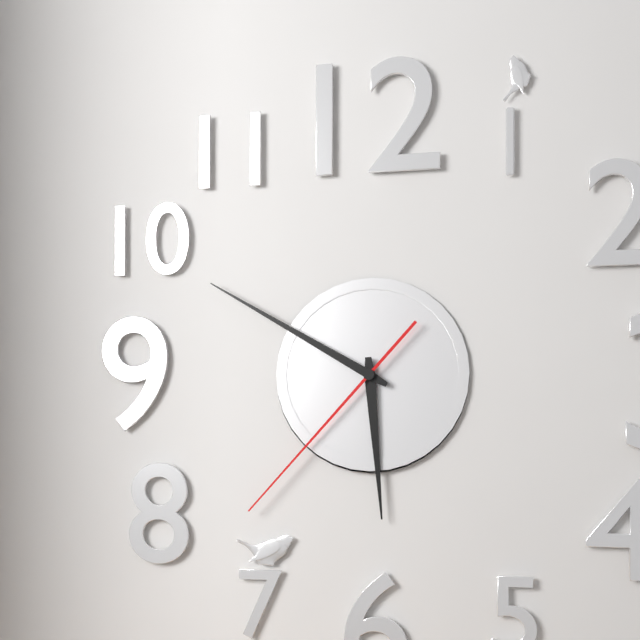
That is 5.50.37
